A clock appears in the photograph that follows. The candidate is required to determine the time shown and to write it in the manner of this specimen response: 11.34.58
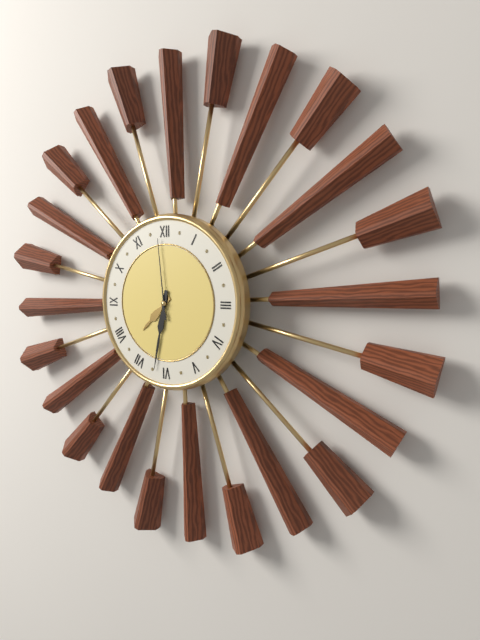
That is 7.32.59
